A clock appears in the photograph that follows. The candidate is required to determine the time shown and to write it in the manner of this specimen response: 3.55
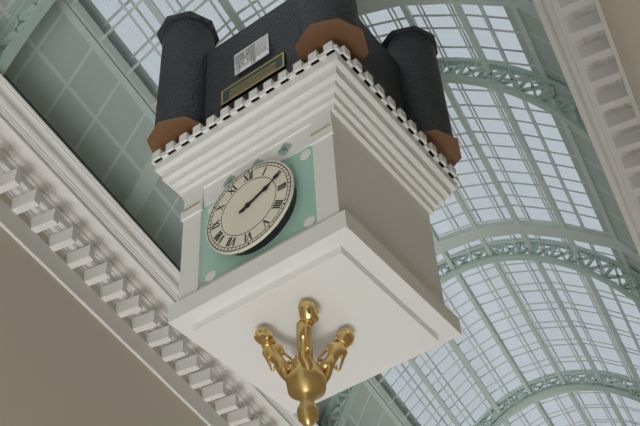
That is 2.11
